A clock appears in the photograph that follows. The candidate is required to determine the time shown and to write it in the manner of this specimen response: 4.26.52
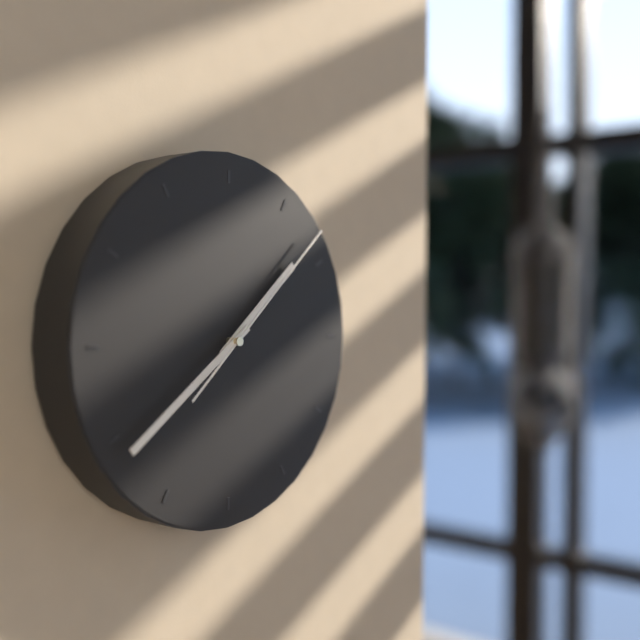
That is 1.39.08
